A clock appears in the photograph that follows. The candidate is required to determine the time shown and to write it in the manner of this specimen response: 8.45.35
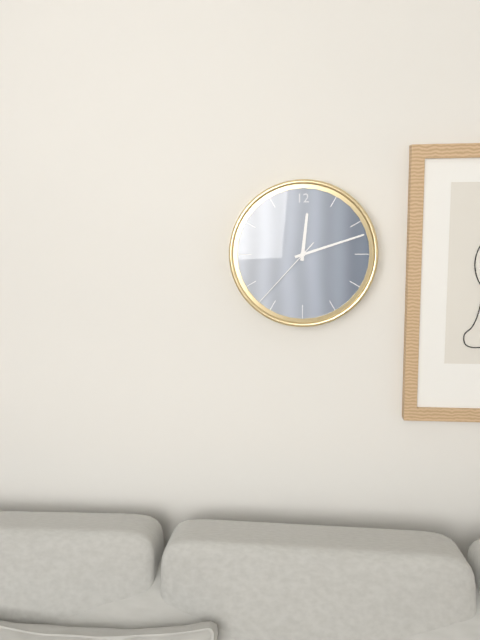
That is 12.12.37
